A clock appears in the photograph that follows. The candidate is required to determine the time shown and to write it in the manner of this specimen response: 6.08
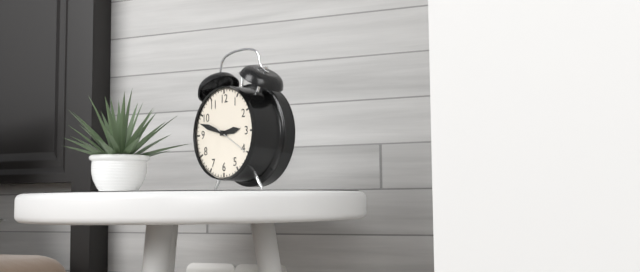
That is 2.48
